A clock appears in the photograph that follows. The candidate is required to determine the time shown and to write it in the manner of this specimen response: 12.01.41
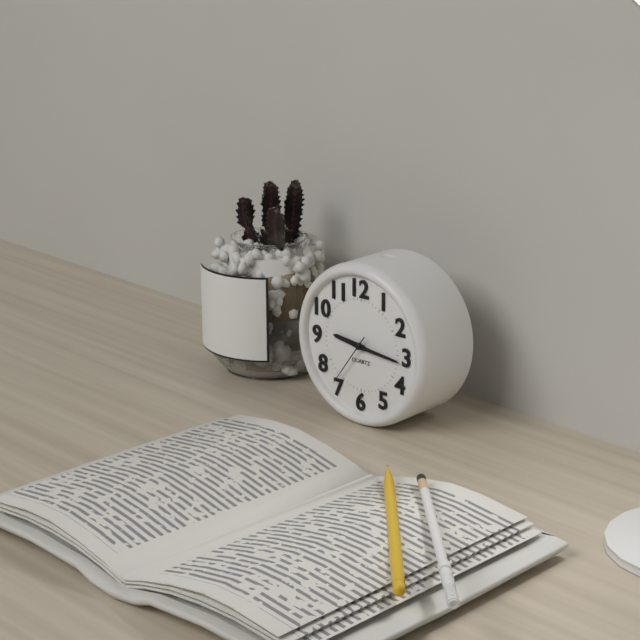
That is 9.16.36
